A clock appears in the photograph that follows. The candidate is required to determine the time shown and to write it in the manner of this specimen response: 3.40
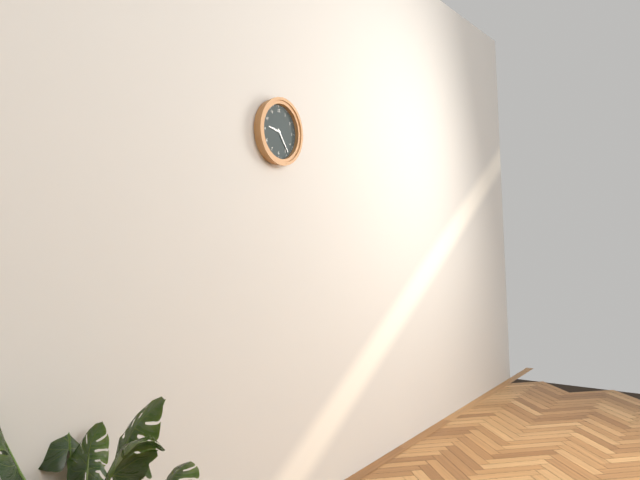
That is 9.24
